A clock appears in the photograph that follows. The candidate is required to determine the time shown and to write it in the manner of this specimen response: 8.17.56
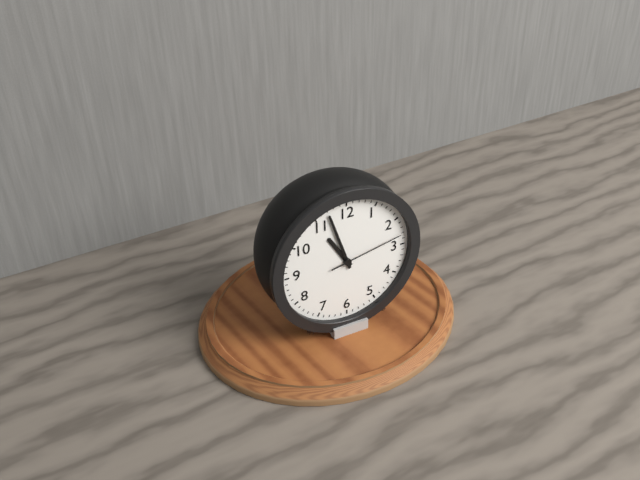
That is 10.57.13
